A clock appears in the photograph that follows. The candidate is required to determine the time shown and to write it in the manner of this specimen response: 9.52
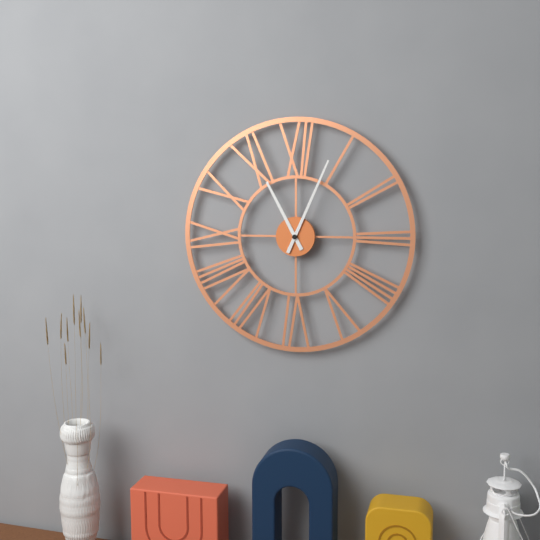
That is 11.04
